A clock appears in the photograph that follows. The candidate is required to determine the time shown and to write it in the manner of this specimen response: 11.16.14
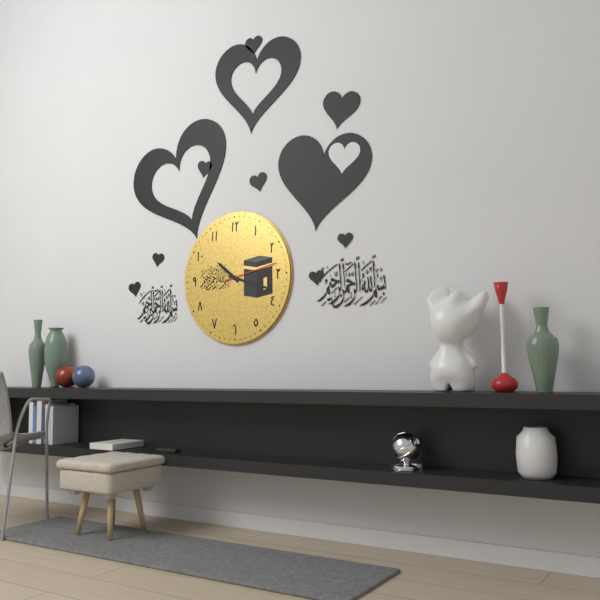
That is 10.18.13
